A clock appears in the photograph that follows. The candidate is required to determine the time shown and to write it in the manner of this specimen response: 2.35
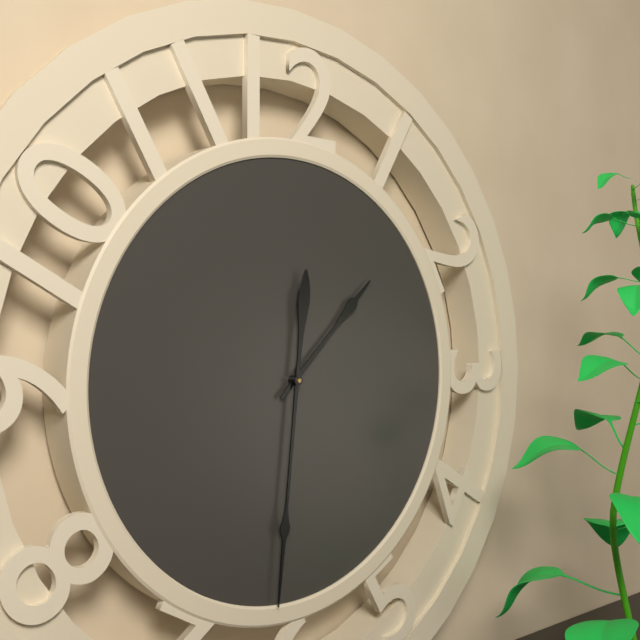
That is 1.31
